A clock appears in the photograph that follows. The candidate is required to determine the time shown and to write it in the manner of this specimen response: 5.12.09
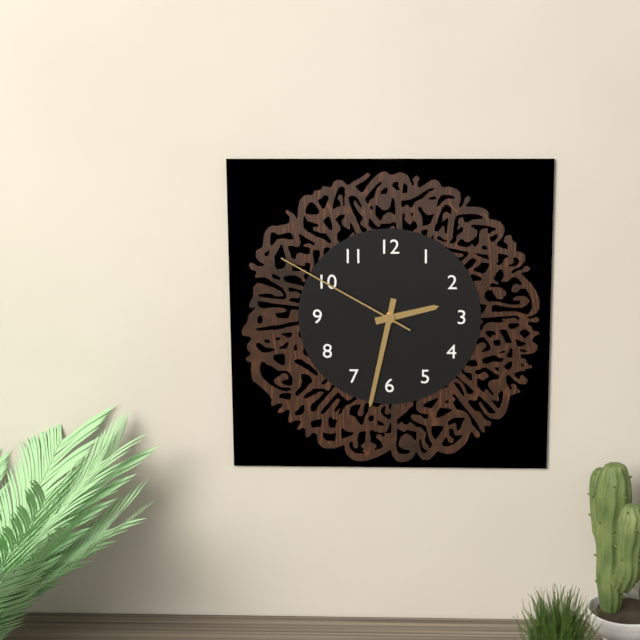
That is 2.32.50
